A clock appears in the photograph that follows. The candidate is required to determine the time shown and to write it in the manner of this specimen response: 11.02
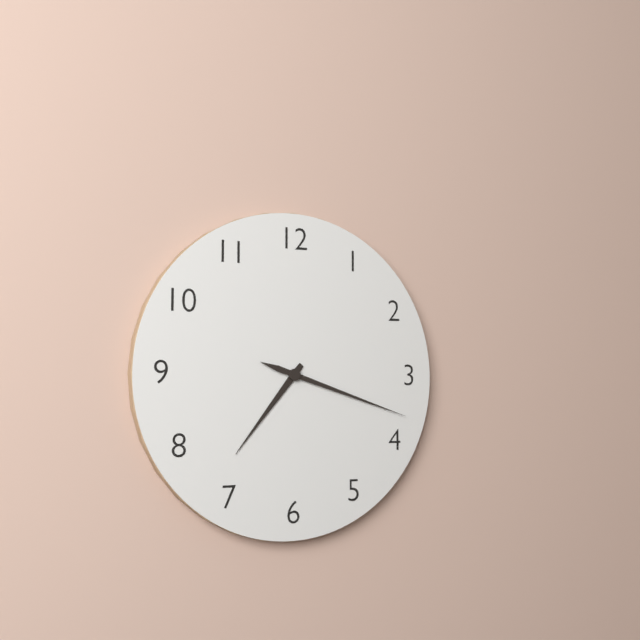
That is 7.18
